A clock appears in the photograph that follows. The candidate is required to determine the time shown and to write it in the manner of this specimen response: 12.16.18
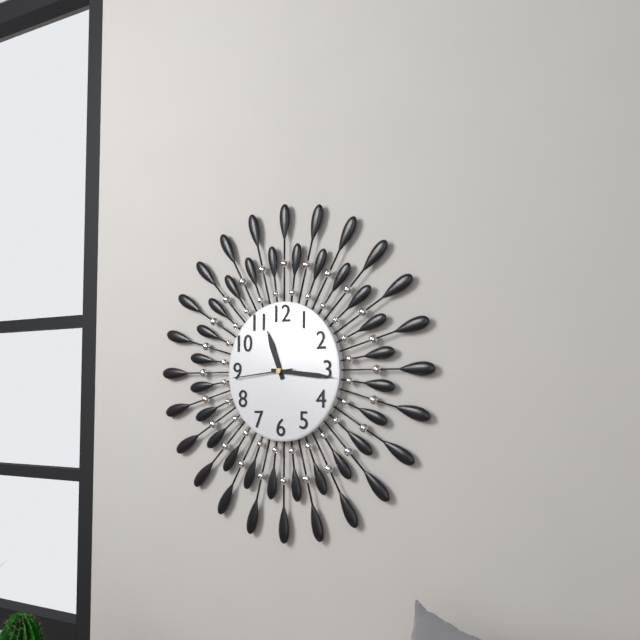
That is 11.16.44
